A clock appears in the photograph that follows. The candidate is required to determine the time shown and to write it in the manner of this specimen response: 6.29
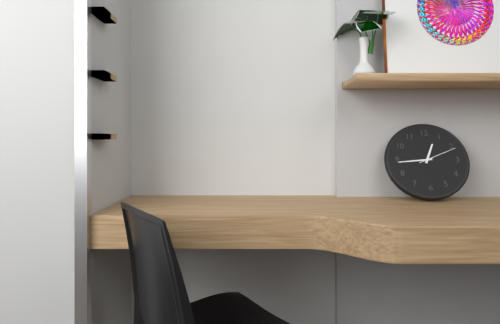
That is 12.44
